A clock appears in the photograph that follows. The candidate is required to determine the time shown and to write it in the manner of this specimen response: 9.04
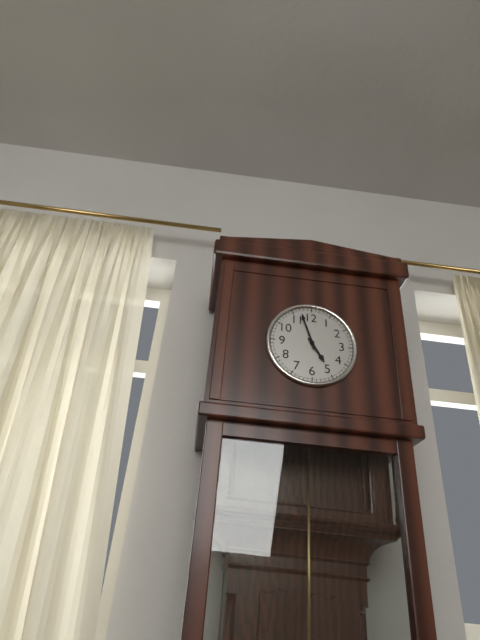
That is 4.57
